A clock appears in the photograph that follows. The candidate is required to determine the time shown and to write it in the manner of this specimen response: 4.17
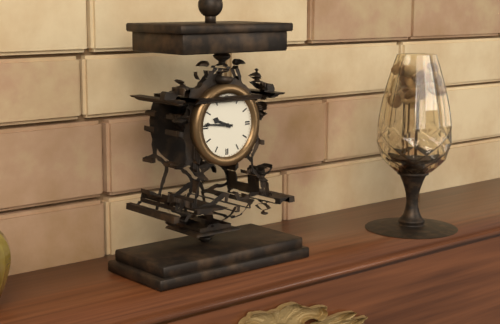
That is 9.46
